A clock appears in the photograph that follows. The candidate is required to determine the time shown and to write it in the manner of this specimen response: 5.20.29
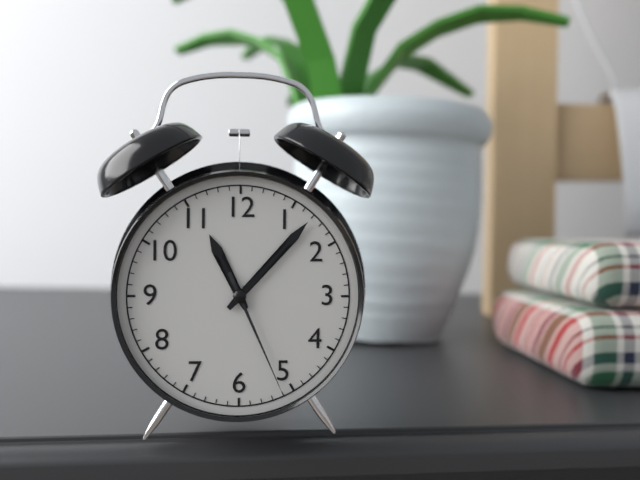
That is 11.07.26
